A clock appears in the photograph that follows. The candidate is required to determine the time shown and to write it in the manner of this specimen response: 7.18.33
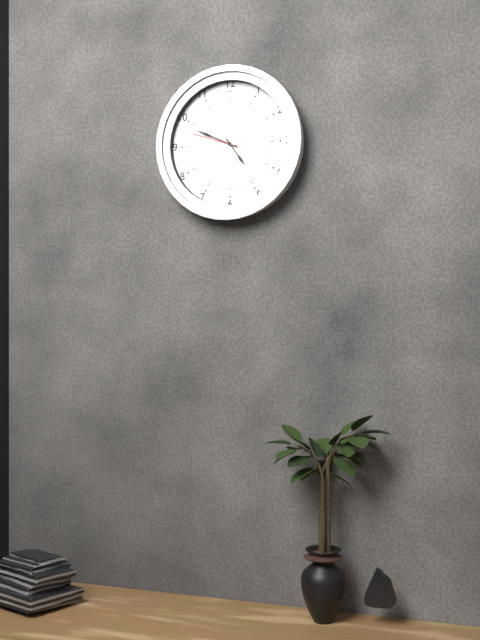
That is 4.49.48
